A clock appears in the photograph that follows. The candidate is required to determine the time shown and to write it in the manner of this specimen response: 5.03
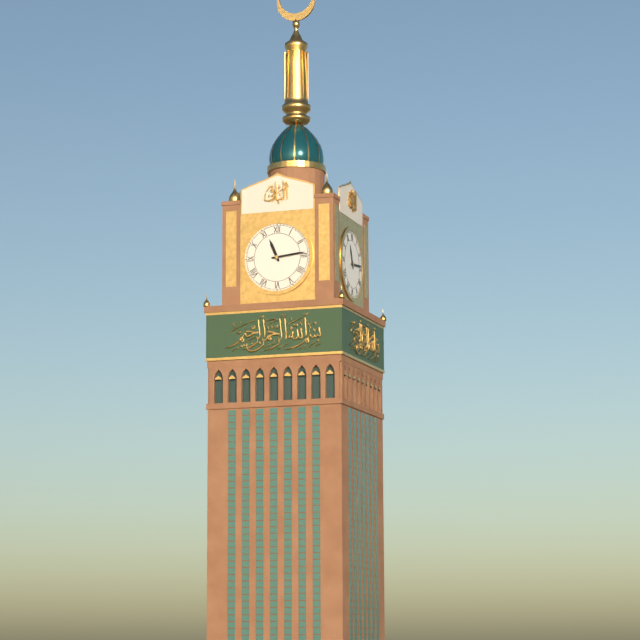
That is 11.14
